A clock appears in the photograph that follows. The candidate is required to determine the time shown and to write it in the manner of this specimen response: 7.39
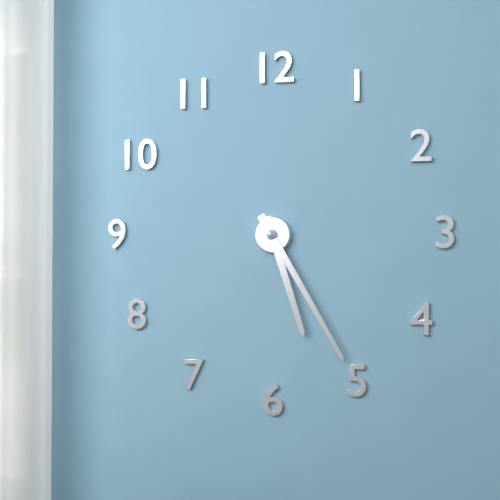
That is 5.25
